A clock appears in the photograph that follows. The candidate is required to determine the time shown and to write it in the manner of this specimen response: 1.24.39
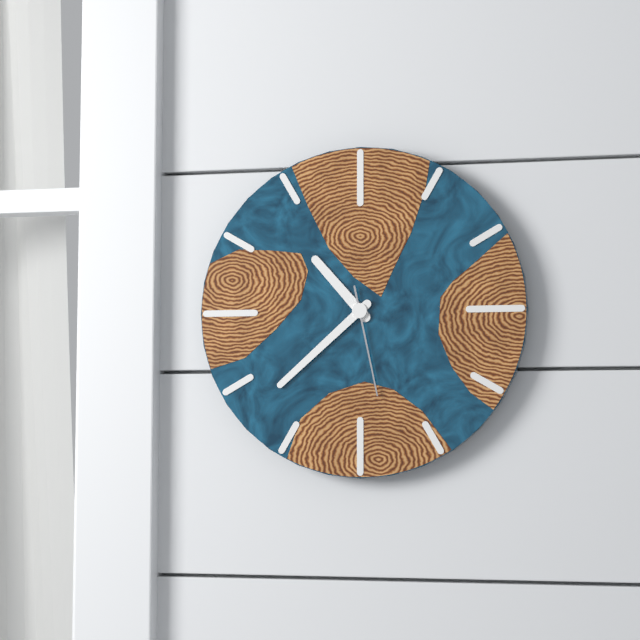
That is 10.38.28
